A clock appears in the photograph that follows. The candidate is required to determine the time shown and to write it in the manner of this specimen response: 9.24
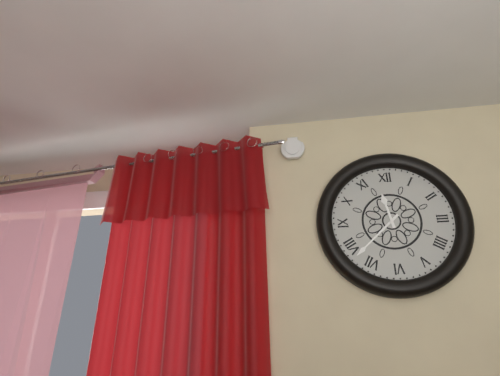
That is 11.38
